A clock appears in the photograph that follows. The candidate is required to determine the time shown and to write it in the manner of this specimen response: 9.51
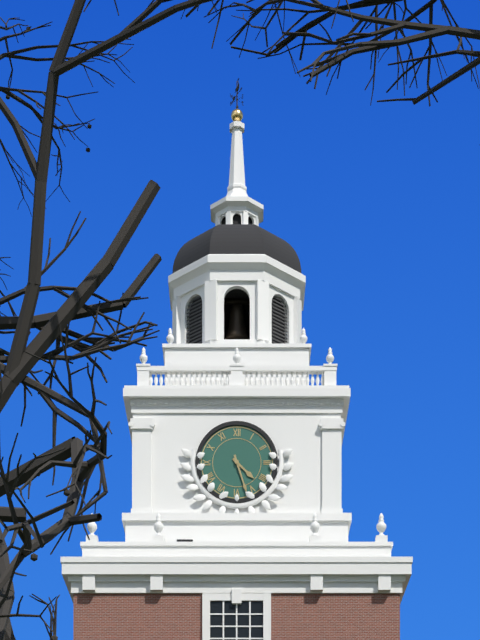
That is 4.27
